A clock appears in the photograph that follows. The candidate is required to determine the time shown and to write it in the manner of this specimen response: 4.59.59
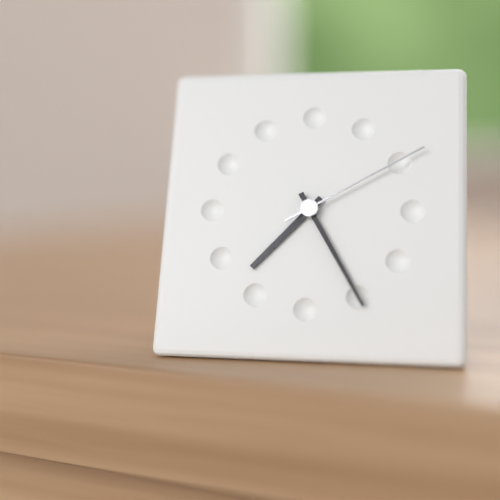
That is 7.25.10
